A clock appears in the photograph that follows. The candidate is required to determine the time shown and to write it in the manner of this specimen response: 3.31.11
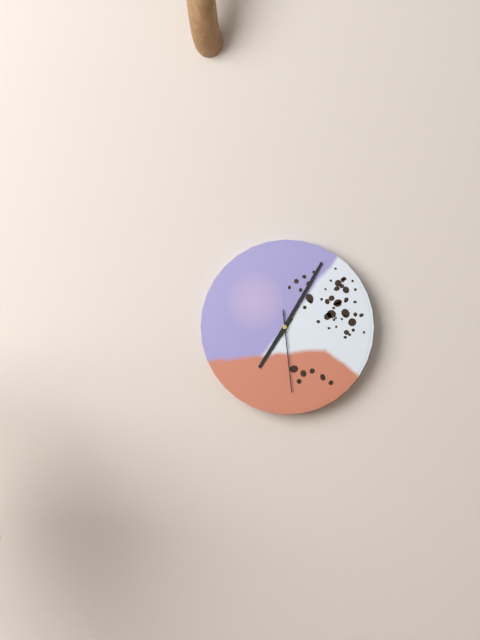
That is 7.05.29
